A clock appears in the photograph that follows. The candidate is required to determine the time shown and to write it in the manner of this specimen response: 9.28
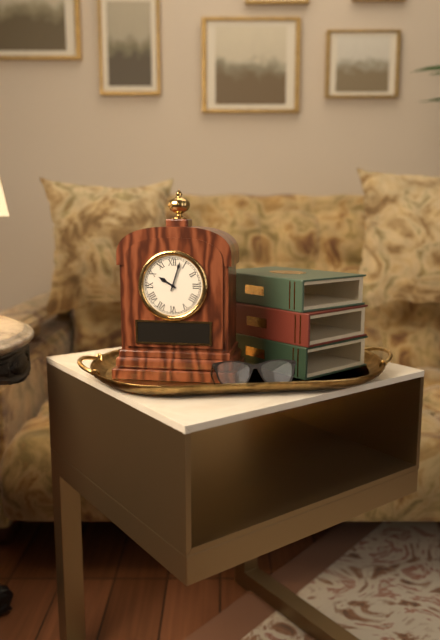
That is 10.03
